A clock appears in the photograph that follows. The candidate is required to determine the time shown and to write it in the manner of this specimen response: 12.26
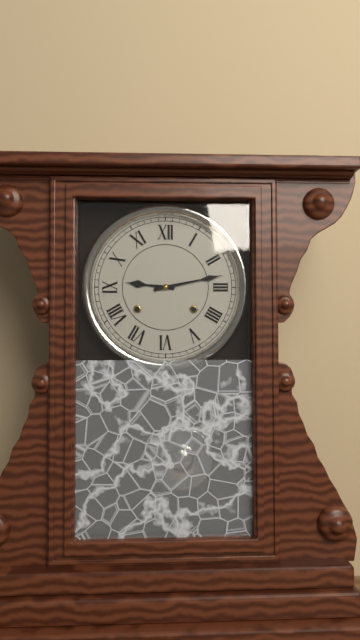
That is 9.13
